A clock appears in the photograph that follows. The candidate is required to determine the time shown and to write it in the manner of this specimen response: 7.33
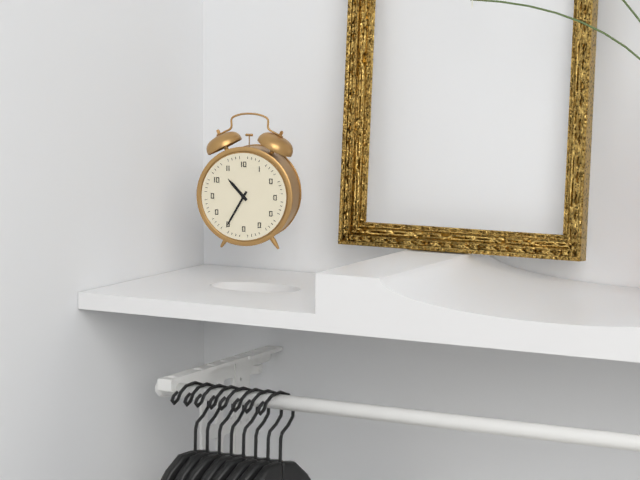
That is 10.35
